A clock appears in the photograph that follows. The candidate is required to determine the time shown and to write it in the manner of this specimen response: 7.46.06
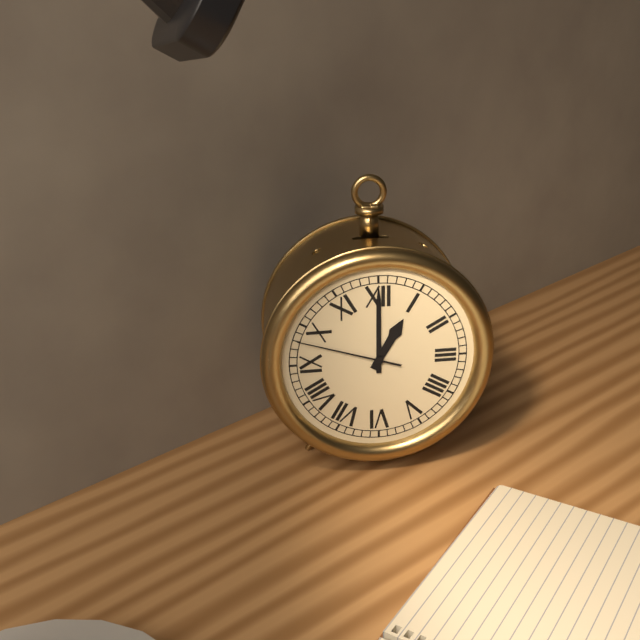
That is 1.00.48
